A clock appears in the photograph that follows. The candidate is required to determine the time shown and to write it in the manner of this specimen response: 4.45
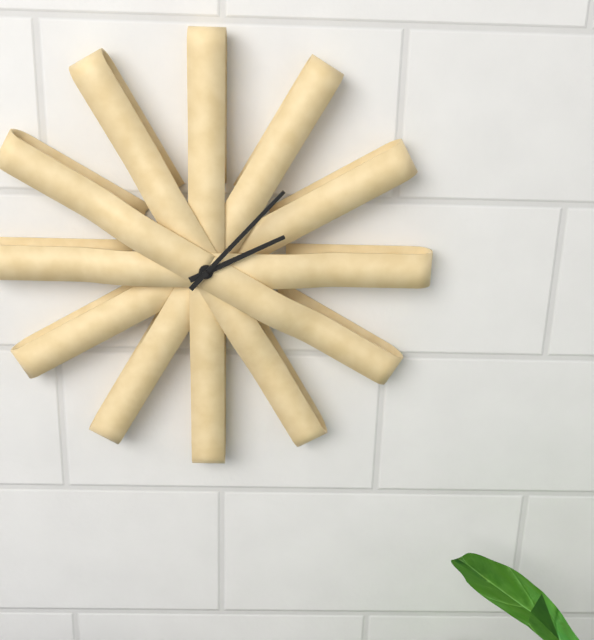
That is 2.07
